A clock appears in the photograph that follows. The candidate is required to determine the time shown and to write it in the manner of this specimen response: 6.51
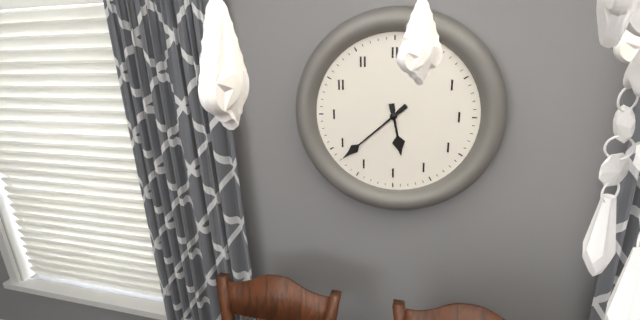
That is 5.38
